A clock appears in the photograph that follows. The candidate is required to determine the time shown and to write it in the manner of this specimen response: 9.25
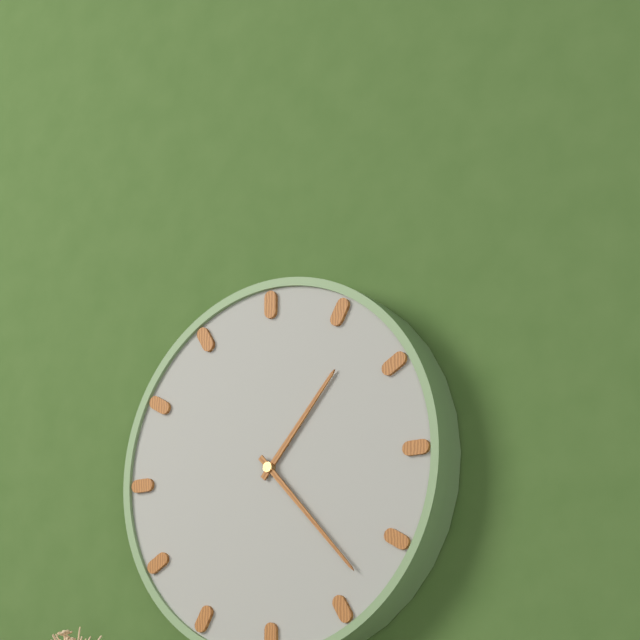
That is 1.23
